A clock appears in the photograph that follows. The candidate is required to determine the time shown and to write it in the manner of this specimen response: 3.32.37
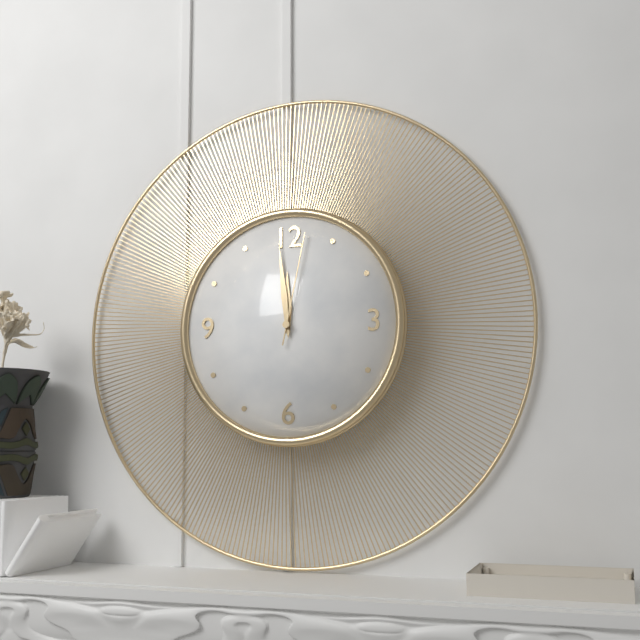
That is 11.59.02
